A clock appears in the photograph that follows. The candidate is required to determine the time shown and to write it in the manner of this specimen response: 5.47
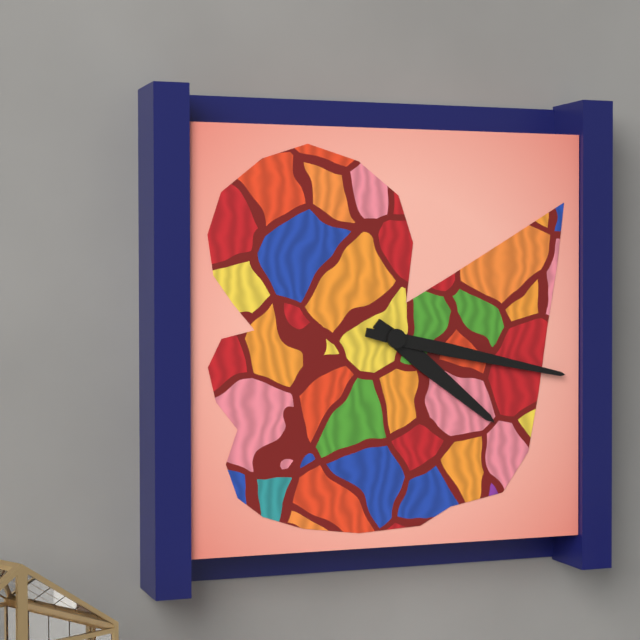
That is 4.17
